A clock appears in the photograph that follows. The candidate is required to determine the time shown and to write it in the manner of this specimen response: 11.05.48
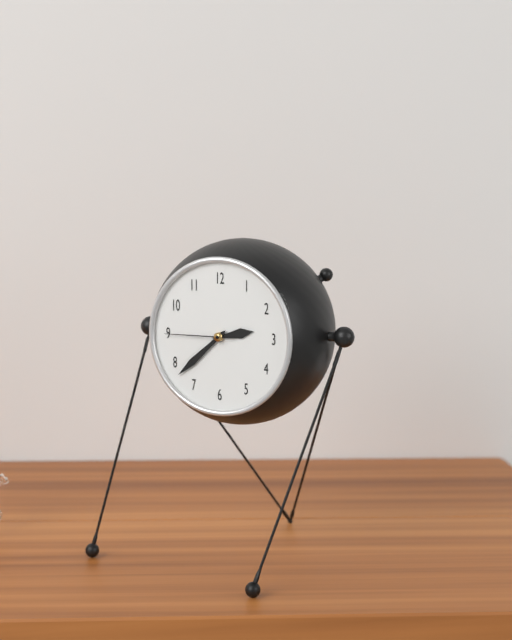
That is 2.38.45
